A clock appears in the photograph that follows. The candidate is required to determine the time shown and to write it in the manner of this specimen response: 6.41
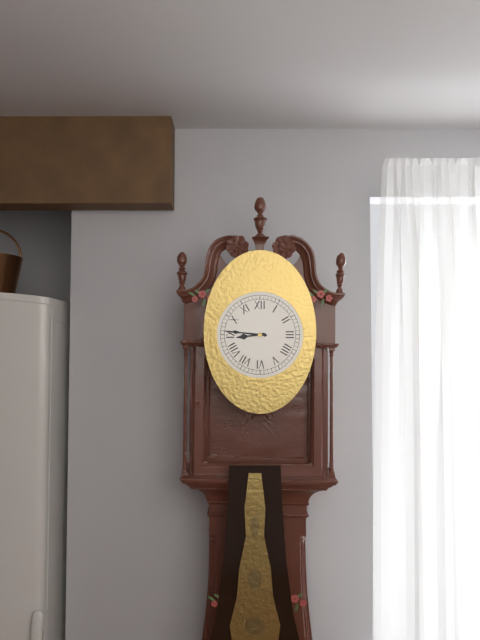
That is 8.46
